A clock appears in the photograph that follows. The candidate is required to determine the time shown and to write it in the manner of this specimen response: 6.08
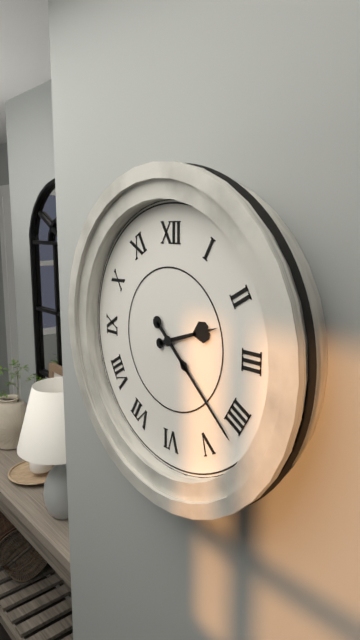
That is 2.22
